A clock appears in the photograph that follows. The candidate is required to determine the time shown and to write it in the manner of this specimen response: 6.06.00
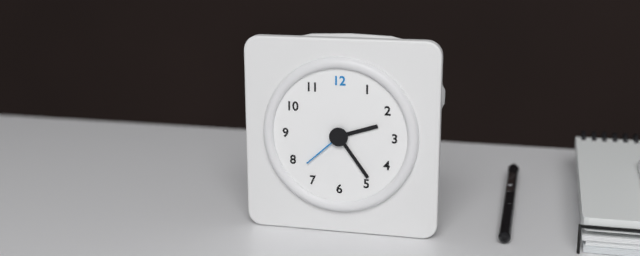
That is 2.24.38
